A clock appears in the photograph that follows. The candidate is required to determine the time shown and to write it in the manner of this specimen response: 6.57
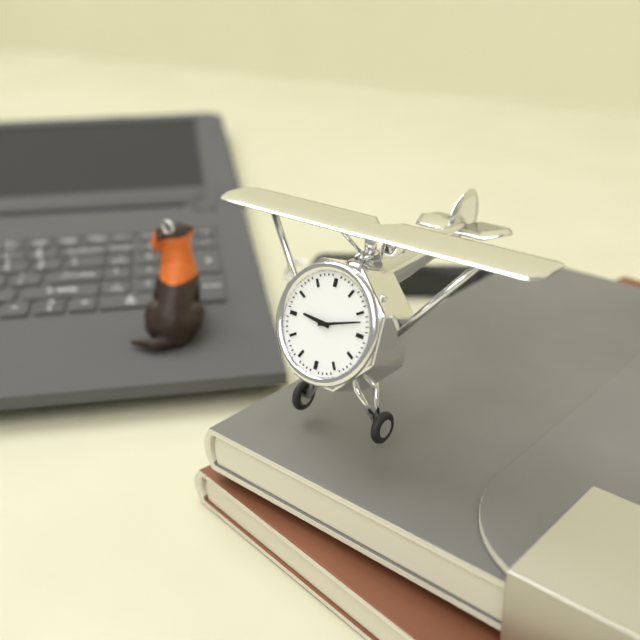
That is 9.12
